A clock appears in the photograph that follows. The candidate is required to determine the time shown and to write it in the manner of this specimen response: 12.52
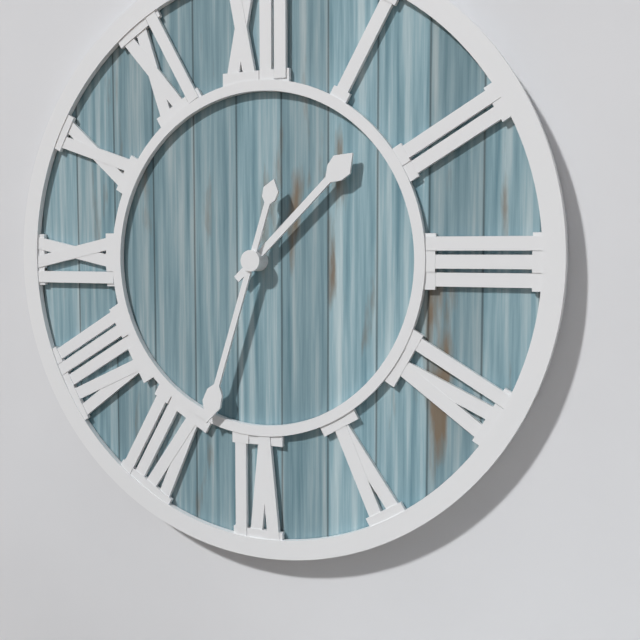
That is 1.33
